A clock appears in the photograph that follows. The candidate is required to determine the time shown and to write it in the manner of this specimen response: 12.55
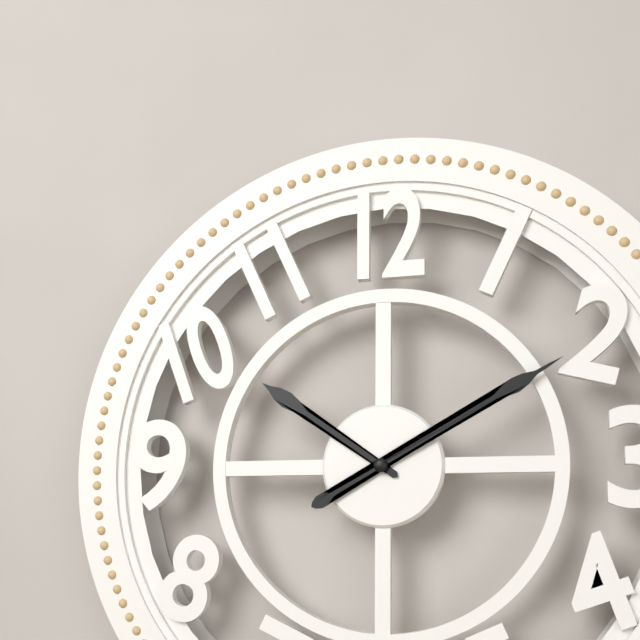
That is 10.10
